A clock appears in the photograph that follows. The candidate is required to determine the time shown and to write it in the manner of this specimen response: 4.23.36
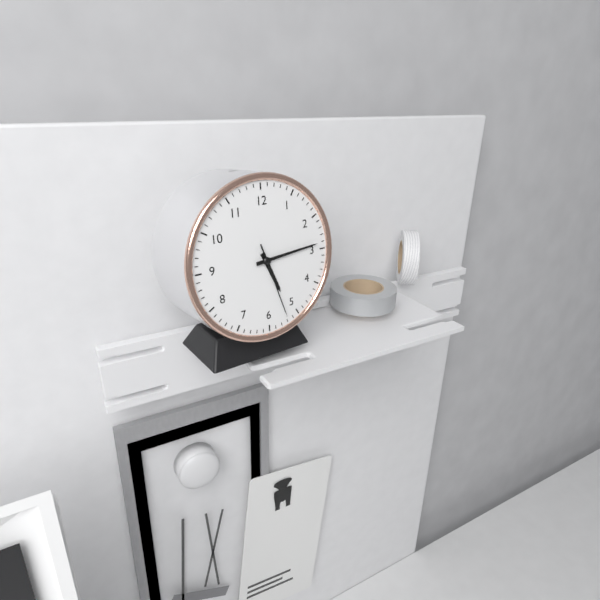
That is 5.14.27
